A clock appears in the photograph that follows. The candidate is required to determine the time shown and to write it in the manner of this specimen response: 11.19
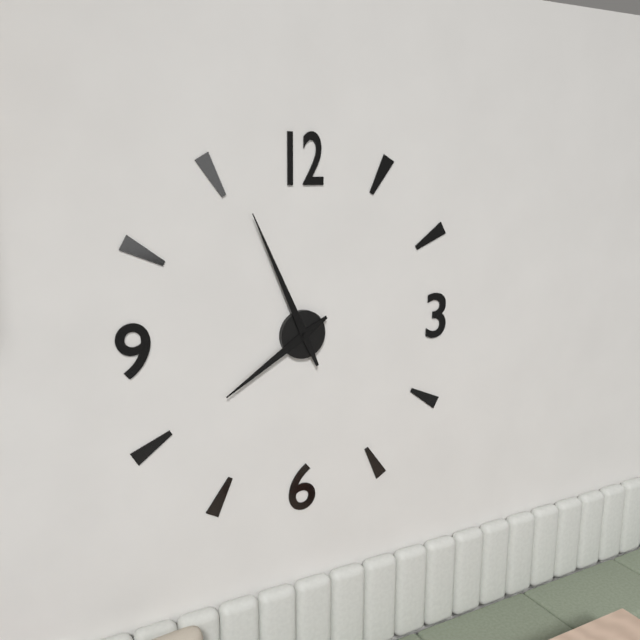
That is 7.56
